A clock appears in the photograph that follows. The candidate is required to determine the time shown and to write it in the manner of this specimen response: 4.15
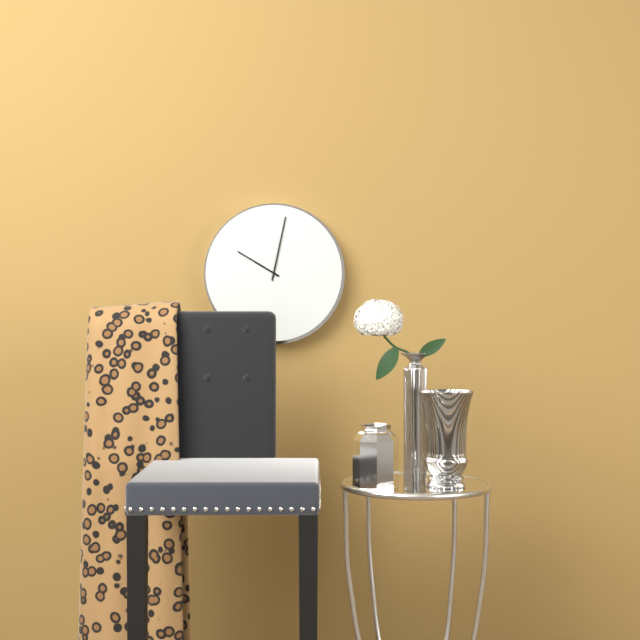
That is 10.02
